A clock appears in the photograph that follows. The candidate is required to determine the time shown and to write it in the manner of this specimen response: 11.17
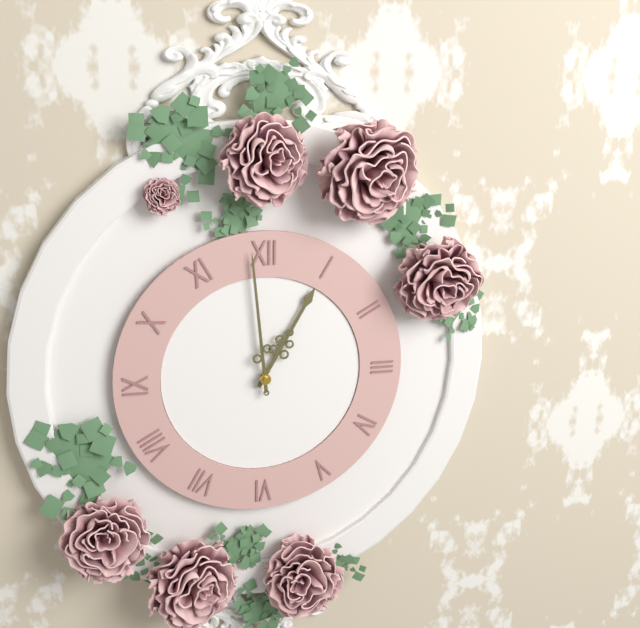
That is 12.59
